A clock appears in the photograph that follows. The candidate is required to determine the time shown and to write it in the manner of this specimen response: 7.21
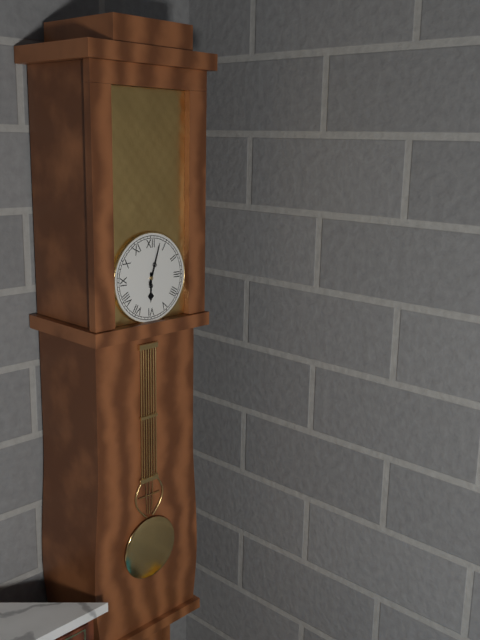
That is 6.03
